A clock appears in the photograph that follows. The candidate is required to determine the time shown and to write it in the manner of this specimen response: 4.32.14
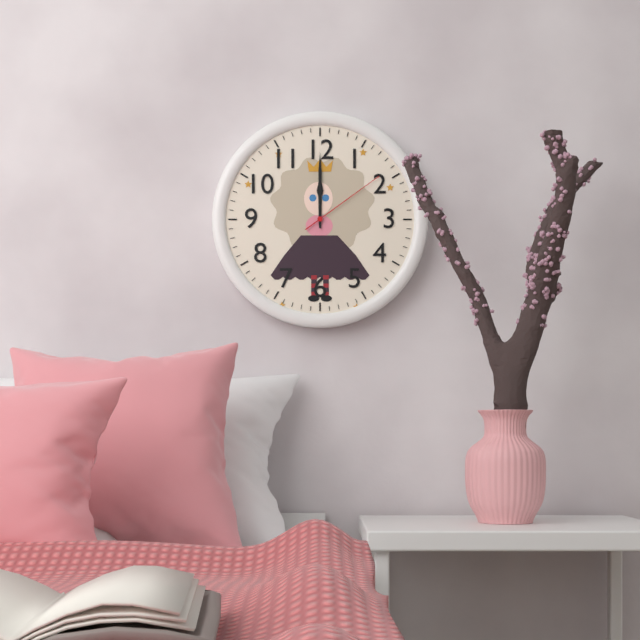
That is 12.00.09
